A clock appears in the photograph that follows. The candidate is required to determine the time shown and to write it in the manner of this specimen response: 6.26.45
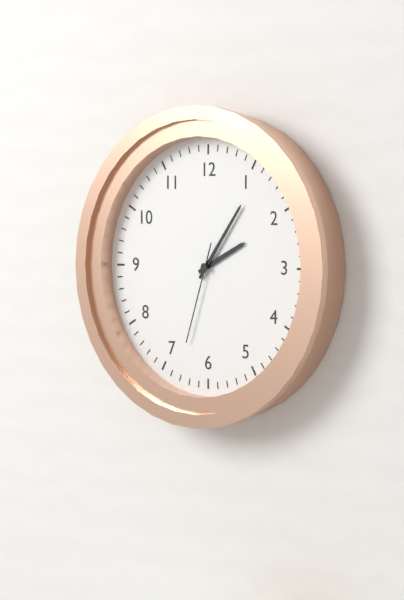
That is 2.06.33
